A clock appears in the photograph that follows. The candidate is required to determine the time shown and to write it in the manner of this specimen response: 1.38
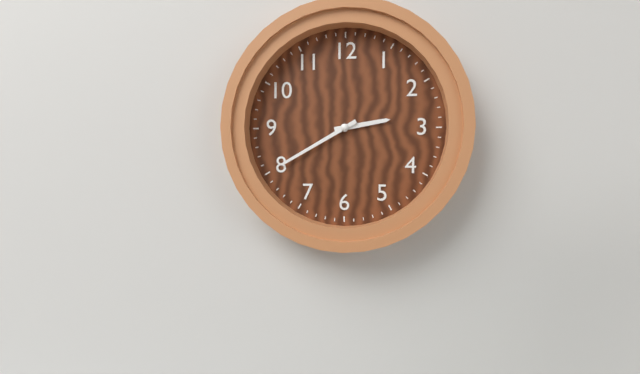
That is 2.40
